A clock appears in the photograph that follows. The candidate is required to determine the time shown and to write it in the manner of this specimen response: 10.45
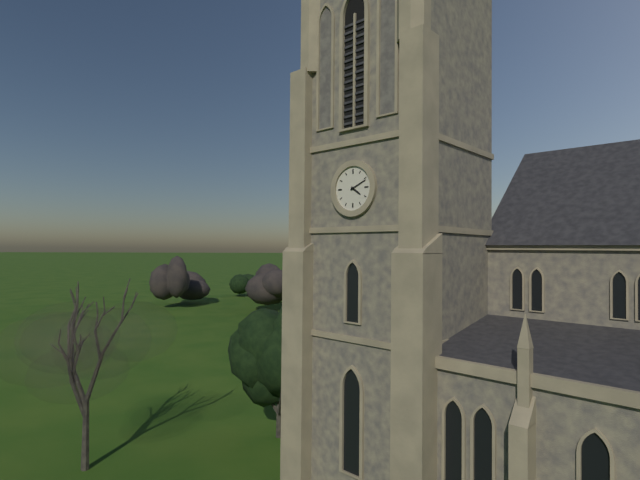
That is 4.11
